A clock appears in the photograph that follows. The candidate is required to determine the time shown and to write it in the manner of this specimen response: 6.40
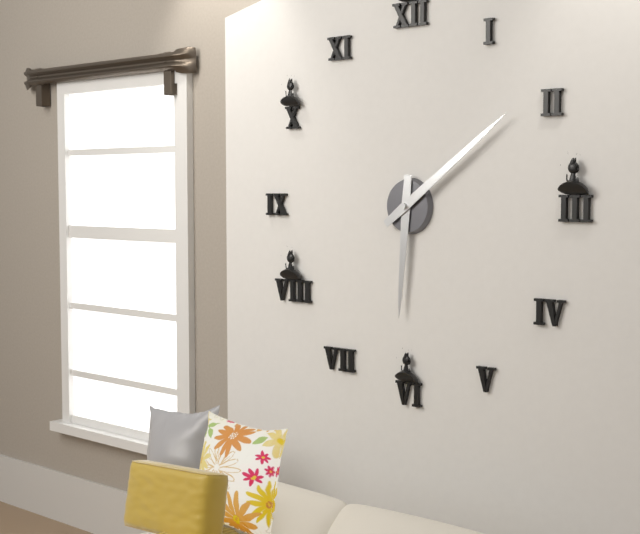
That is 6.09
